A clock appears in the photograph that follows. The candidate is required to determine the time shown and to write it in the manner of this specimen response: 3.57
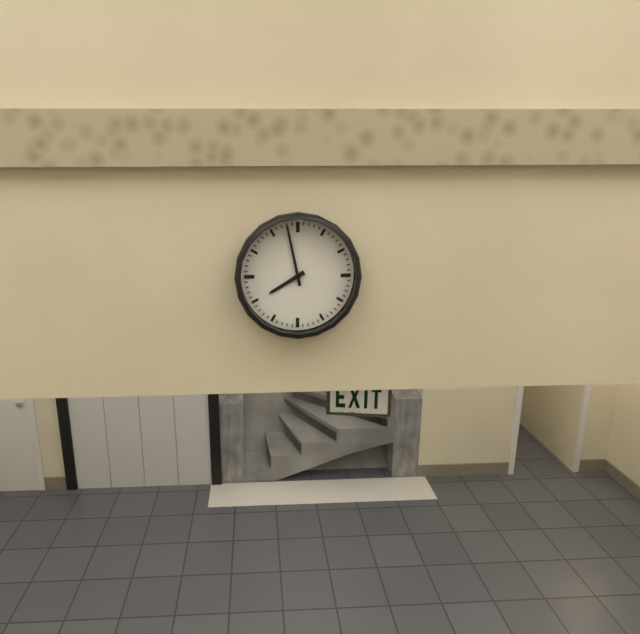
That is 7.58
